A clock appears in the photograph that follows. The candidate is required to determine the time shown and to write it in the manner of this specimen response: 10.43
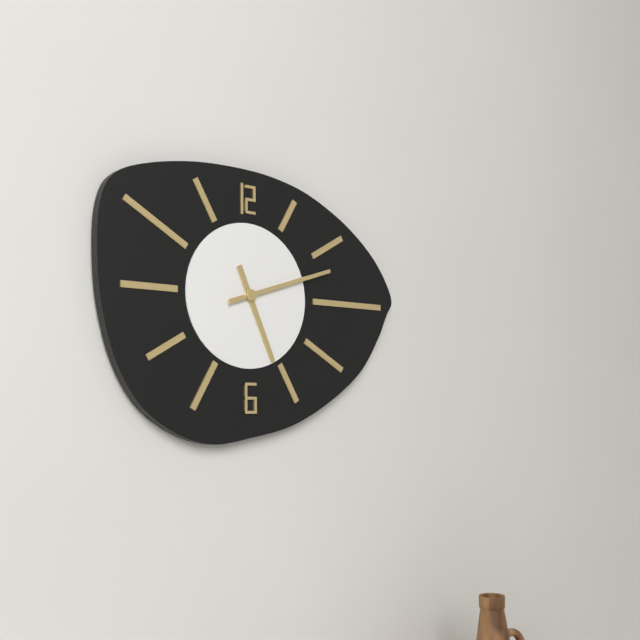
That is 5.12
